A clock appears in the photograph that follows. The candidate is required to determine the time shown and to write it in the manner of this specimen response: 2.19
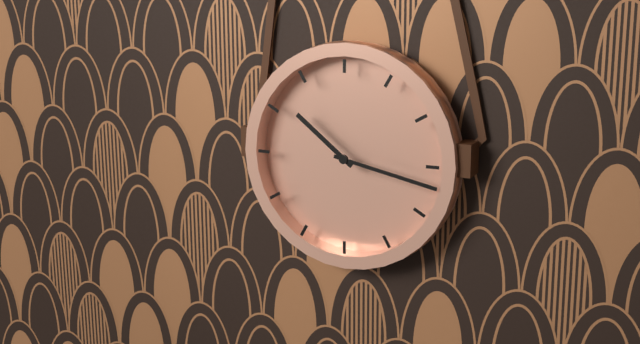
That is 10.17
